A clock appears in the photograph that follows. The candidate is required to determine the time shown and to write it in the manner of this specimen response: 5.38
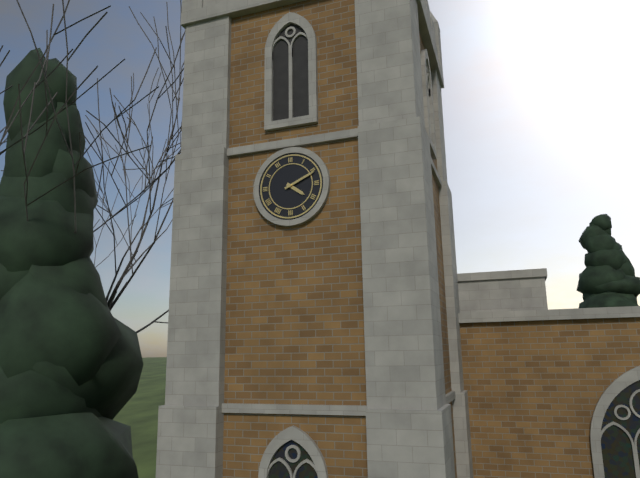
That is 4.11
